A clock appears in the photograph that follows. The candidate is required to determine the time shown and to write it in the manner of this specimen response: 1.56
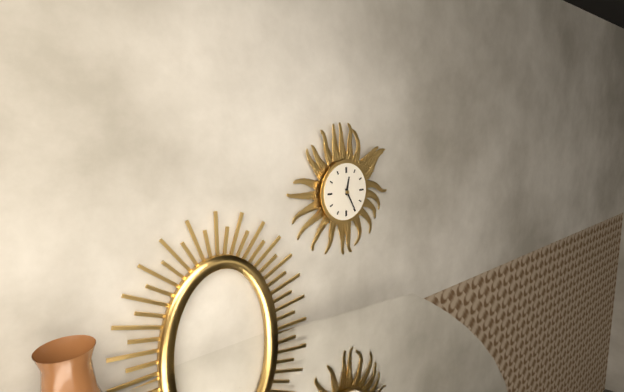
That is 12.25
